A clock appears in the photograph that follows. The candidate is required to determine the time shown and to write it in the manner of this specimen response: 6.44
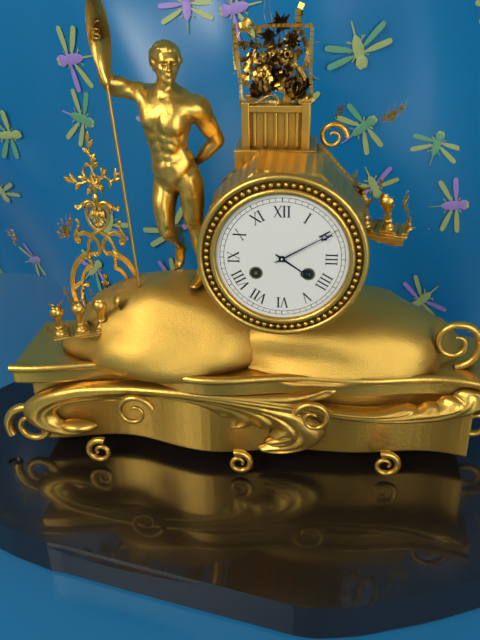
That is 4.10
